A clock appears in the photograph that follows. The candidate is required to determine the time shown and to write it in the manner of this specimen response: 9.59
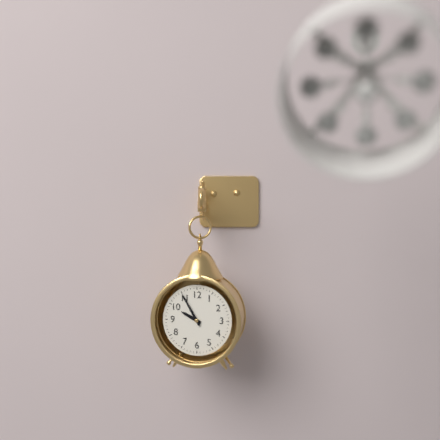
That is 9.55
